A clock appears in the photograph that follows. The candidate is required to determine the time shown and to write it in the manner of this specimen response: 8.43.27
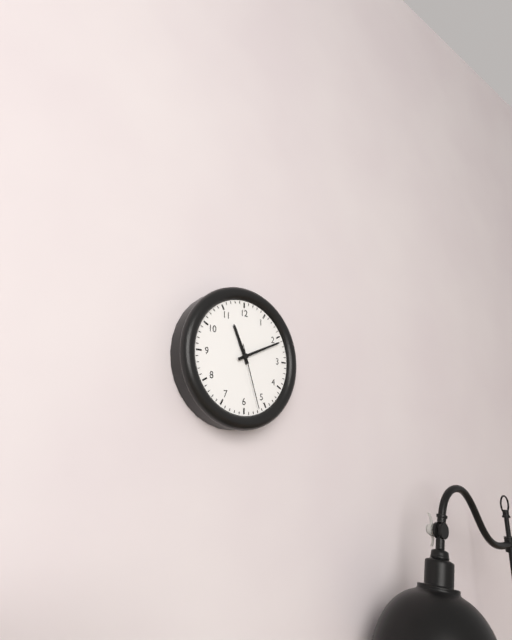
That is 11.11.27
